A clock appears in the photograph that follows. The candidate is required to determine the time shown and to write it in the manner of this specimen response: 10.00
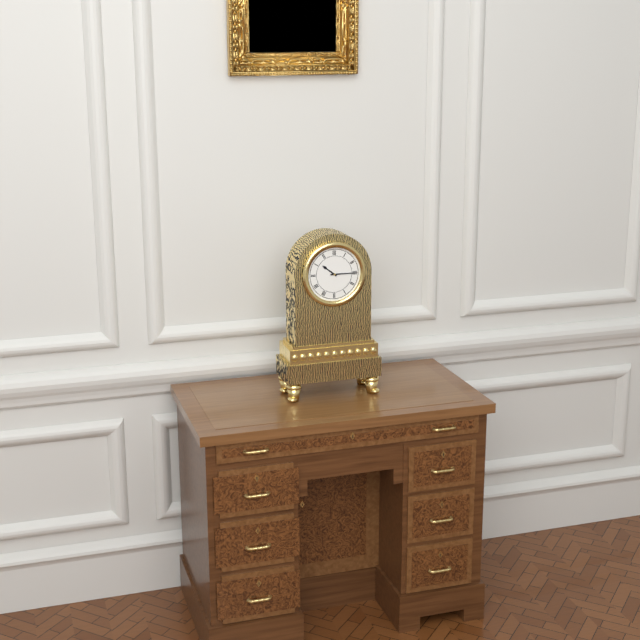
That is 10.15
